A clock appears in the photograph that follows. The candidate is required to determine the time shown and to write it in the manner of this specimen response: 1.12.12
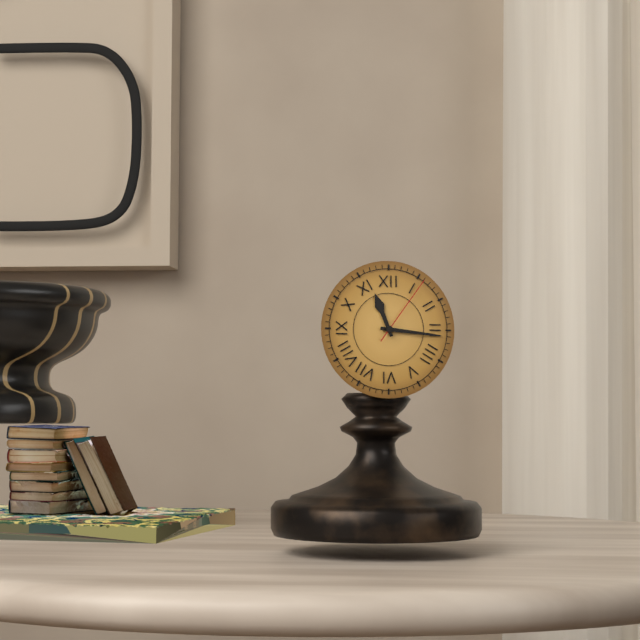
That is 11.16.06
